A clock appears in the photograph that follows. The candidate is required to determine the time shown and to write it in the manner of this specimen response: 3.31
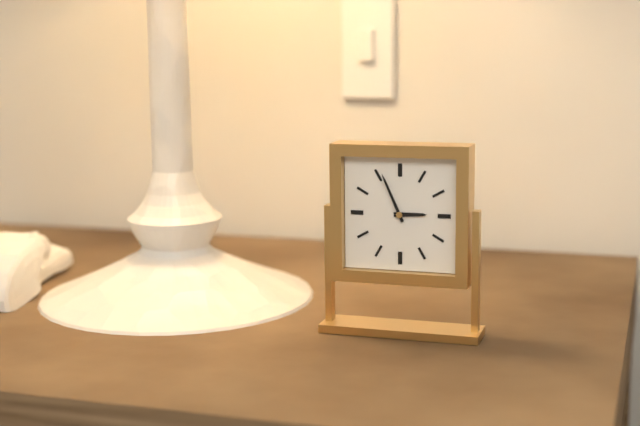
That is 2.56
